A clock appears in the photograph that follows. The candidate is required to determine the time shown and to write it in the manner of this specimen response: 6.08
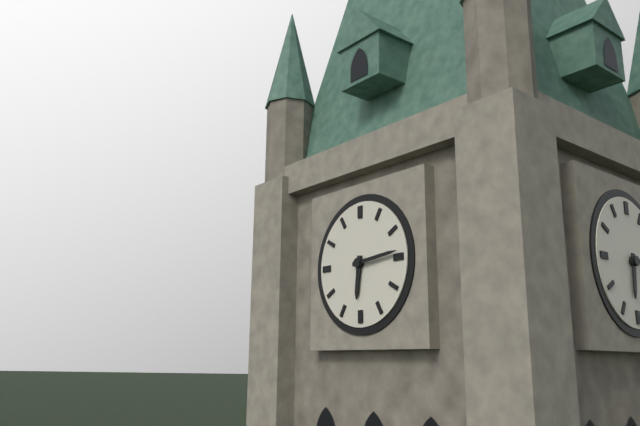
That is 6.14
